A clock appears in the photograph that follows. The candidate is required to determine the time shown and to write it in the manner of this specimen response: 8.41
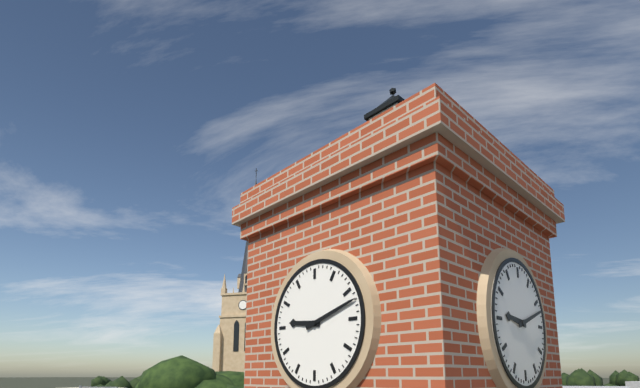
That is 9.12
